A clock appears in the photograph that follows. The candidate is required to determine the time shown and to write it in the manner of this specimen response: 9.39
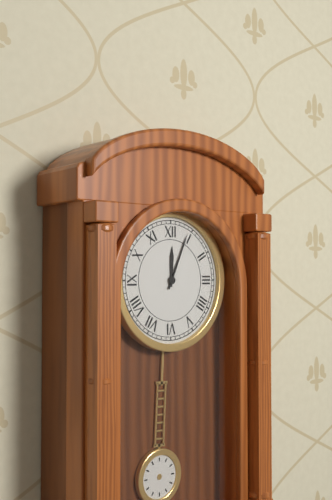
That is 12.04
